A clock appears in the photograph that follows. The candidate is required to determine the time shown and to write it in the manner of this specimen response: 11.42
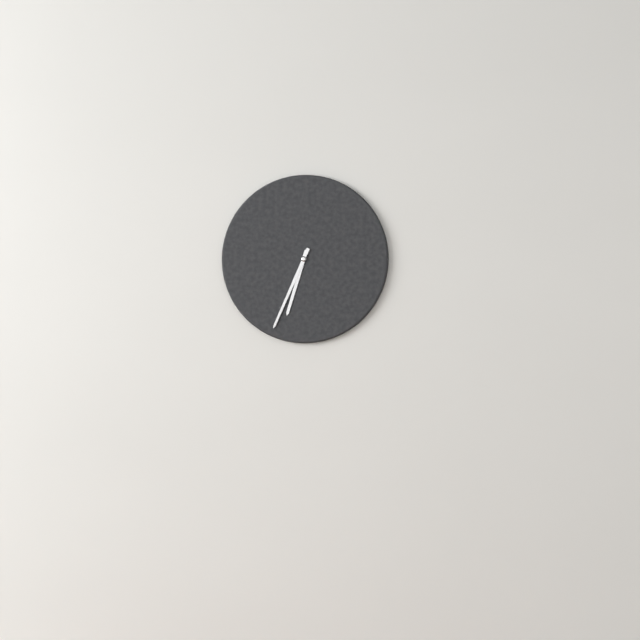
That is 6.34
